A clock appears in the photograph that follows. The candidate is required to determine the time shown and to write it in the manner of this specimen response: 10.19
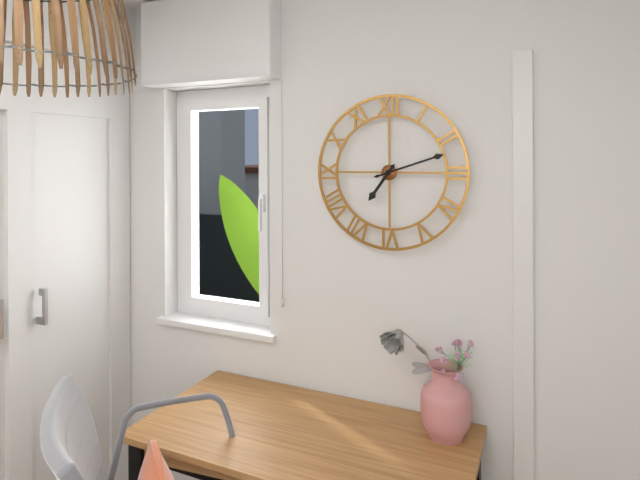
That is 7.12
